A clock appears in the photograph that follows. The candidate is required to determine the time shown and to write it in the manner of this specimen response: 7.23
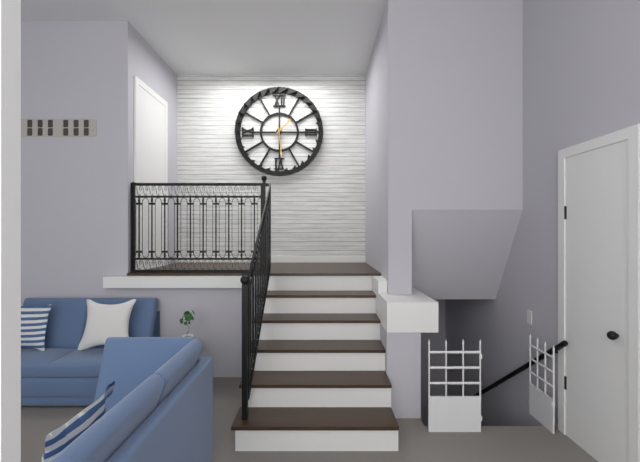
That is 1.29
